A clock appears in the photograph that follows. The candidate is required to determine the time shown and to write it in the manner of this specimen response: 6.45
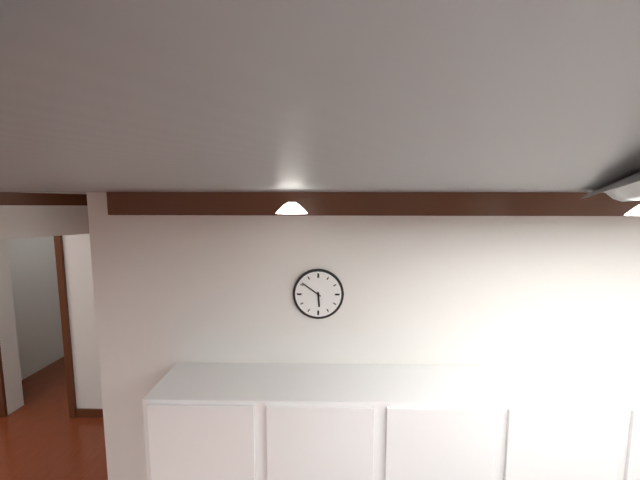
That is 5.51
